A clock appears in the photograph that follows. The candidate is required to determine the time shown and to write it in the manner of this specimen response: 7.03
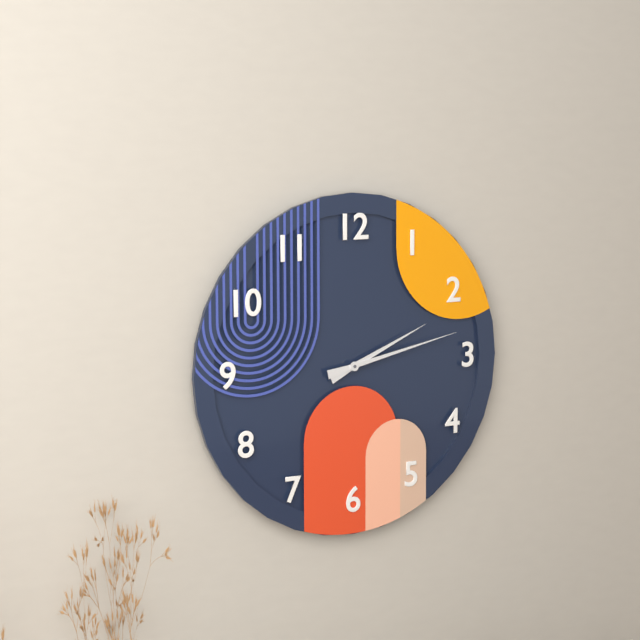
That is 2.13
